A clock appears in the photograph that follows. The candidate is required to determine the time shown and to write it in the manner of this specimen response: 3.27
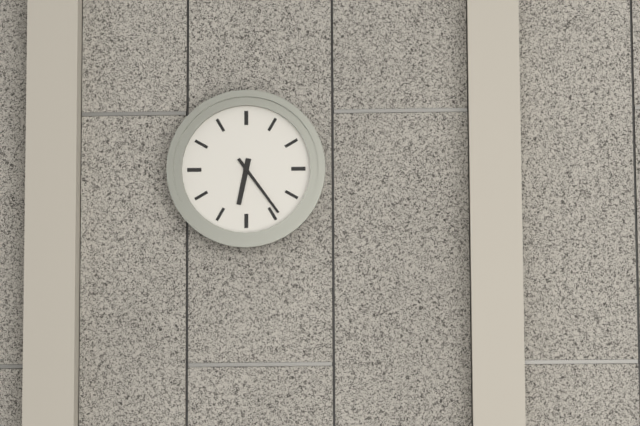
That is 6.24
